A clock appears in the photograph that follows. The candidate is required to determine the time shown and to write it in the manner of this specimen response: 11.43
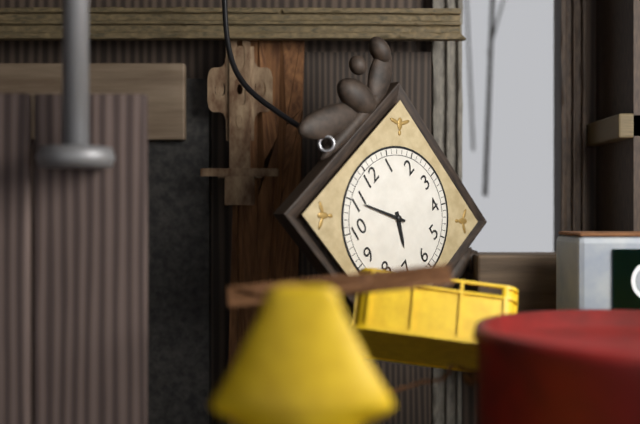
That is 6.55
